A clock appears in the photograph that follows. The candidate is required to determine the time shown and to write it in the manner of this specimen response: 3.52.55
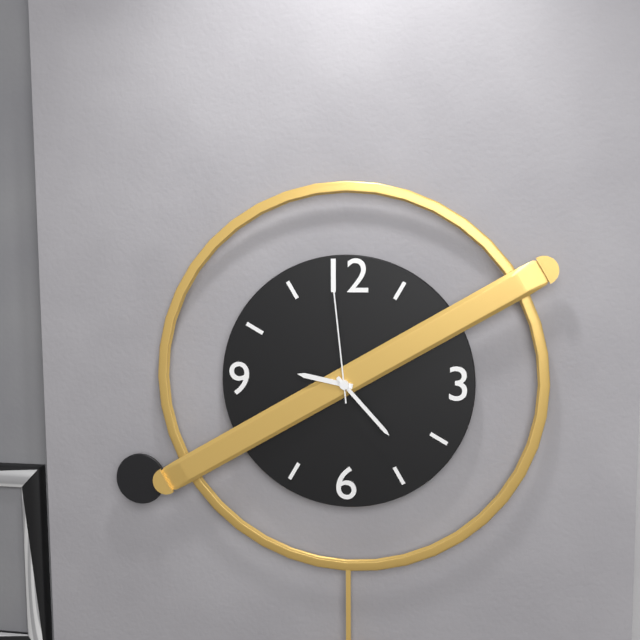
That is 9.23.59
